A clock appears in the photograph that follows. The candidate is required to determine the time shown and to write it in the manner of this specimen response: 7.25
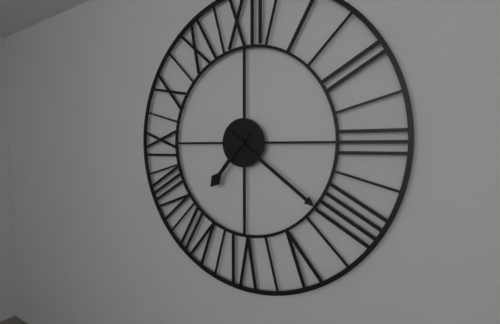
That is 7.21
